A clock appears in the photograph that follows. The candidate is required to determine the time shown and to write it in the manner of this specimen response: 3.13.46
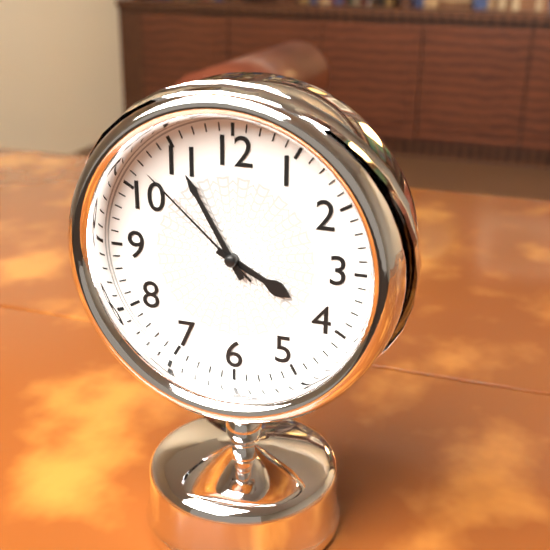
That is 3.55.52
